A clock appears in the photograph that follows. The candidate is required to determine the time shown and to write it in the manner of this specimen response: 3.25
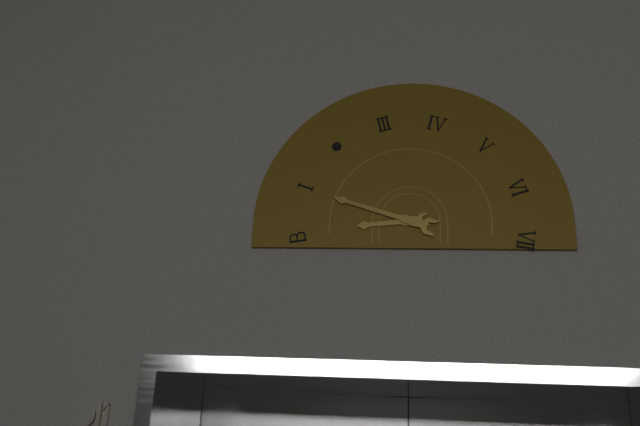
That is 8.48
